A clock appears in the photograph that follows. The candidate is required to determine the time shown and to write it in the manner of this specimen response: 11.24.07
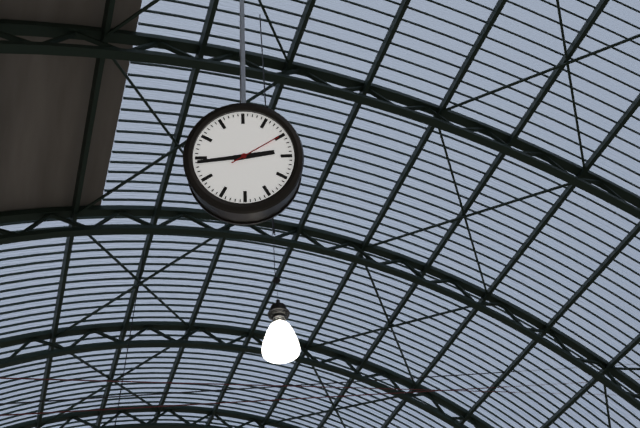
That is 2.44.10
